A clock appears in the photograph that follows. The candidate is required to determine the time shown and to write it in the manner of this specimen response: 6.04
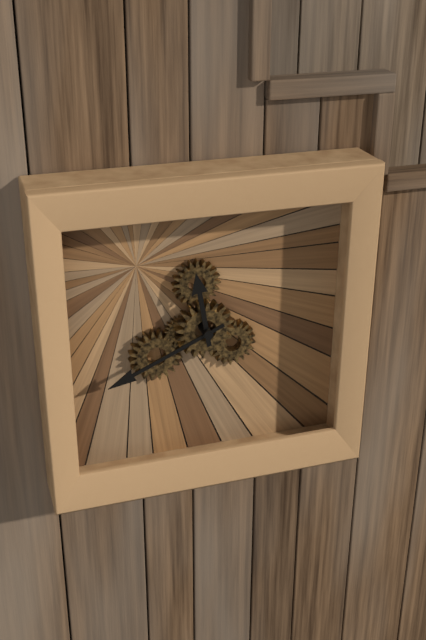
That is 11.41
